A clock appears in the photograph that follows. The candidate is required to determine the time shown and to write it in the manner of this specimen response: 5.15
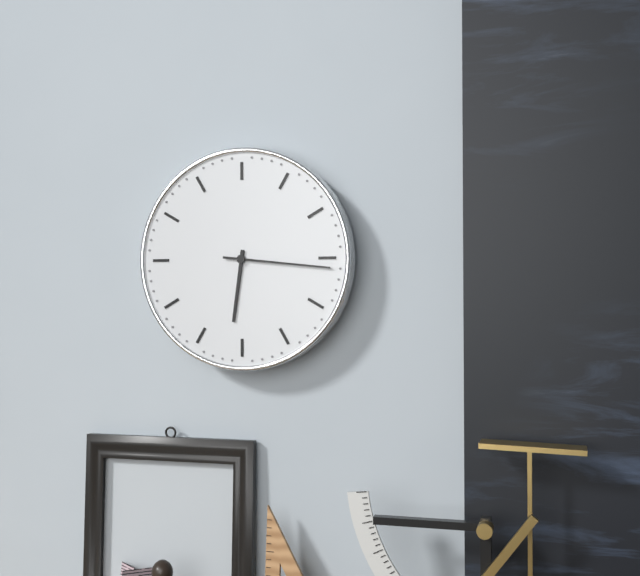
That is 6.16
